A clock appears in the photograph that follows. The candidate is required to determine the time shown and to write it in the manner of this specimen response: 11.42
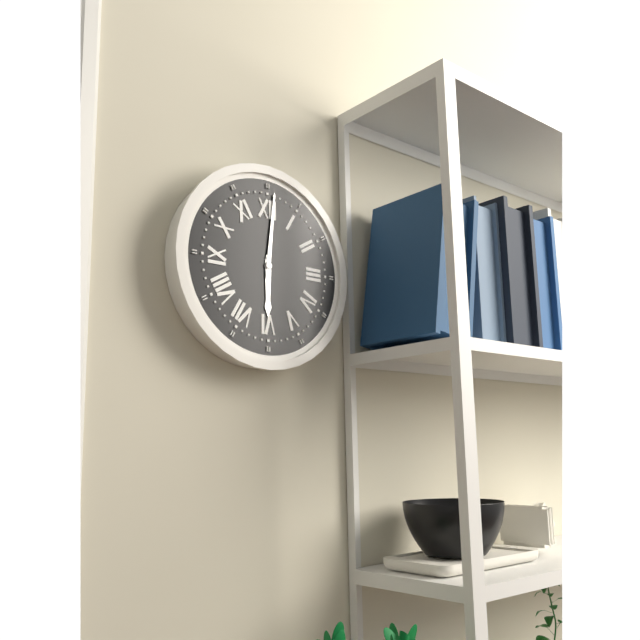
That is 6.01
